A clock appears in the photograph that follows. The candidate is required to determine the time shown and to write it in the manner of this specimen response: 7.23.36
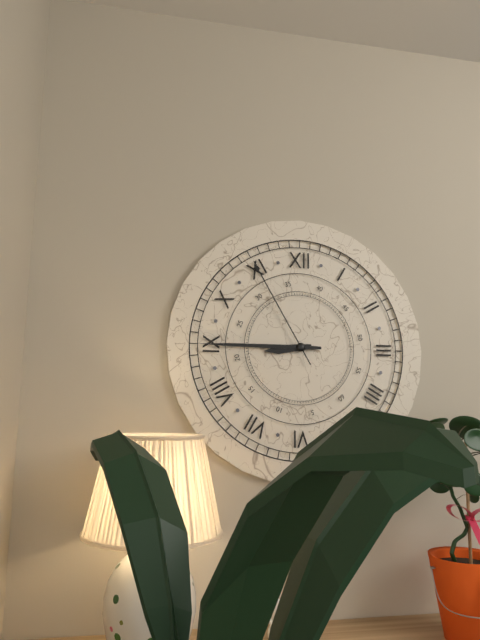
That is 8.45.55
